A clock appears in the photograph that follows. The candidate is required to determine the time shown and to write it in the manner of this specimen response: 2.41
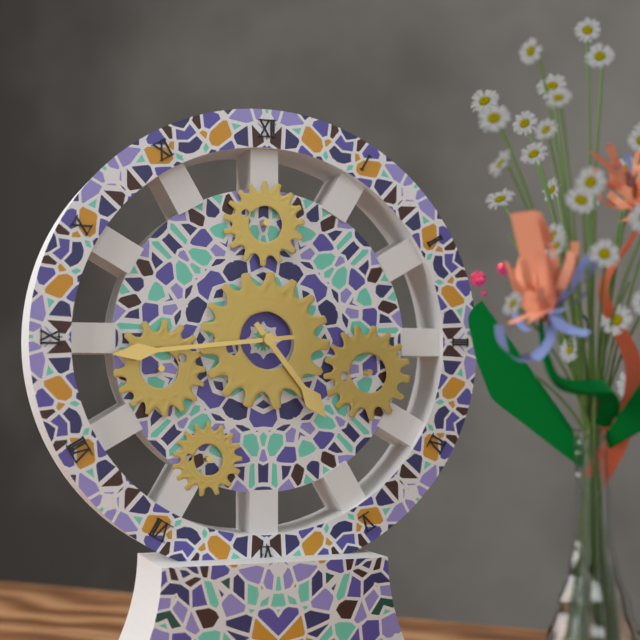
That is 4.44
